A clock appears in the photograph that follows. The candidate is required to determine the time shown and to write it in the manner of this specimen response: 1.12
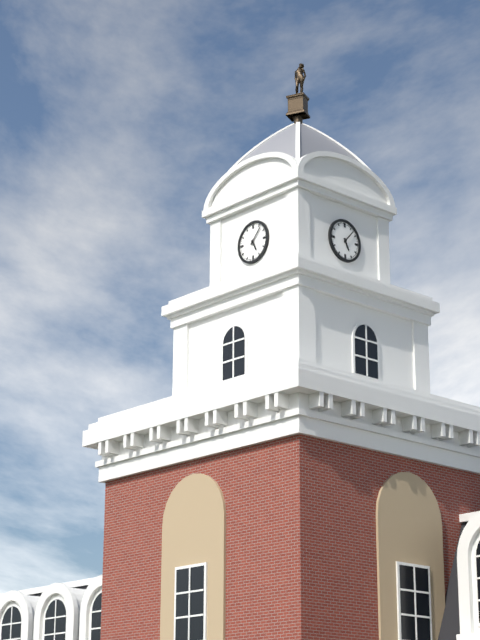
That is 5.07
